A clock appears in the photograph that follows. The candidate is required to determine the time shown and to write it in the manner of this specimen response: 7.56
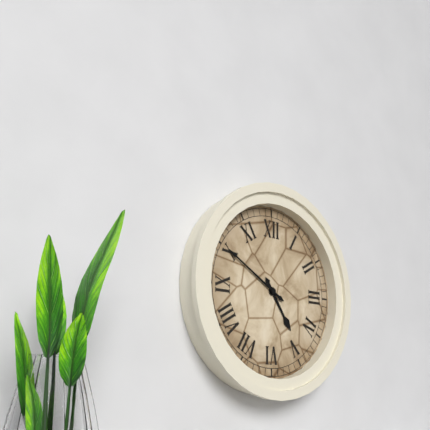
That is 4.50
